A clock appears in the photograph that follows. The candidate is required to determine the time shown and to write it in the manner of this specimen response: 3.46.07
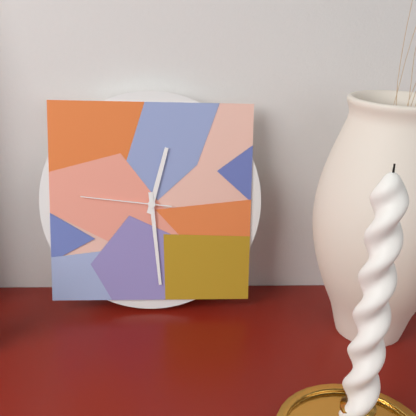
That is 12.29.46
